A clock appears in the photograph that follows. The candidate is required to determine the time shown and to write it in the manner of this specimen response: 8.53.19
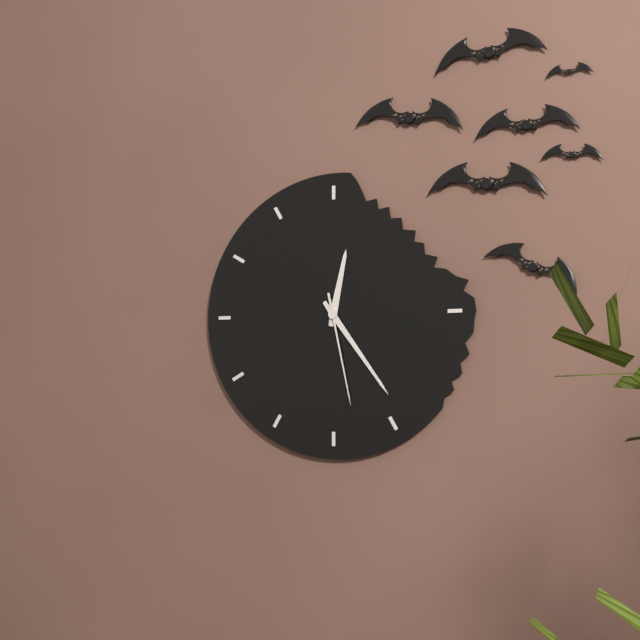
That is 12.24.28
